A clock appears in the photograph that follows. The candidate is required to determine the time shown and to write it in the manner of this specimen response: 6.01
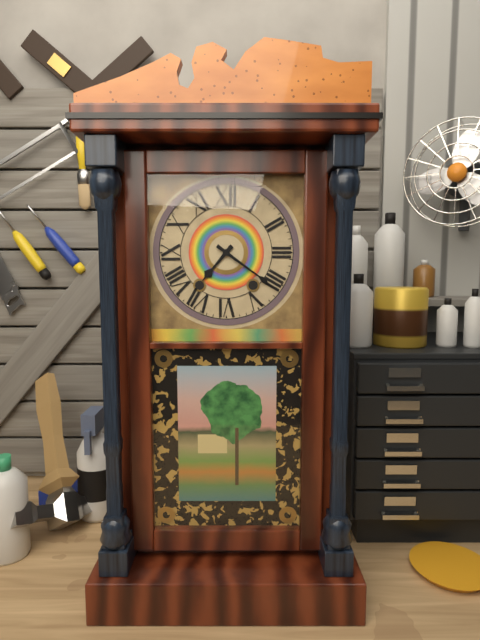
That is 7.21
